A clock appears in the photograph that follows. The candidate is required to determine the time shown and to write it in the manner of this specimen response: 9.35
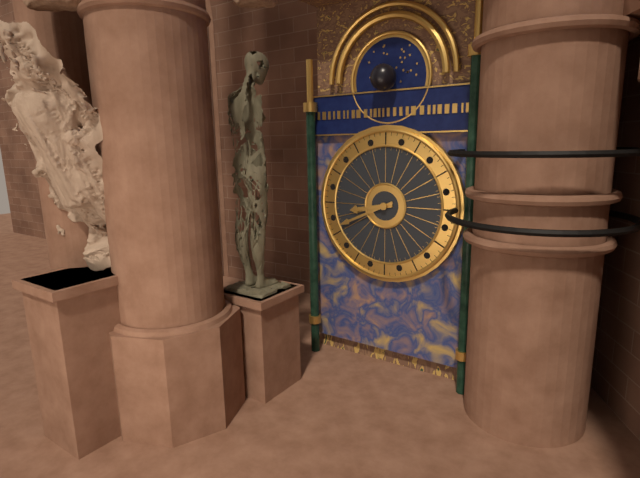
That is 8.41
